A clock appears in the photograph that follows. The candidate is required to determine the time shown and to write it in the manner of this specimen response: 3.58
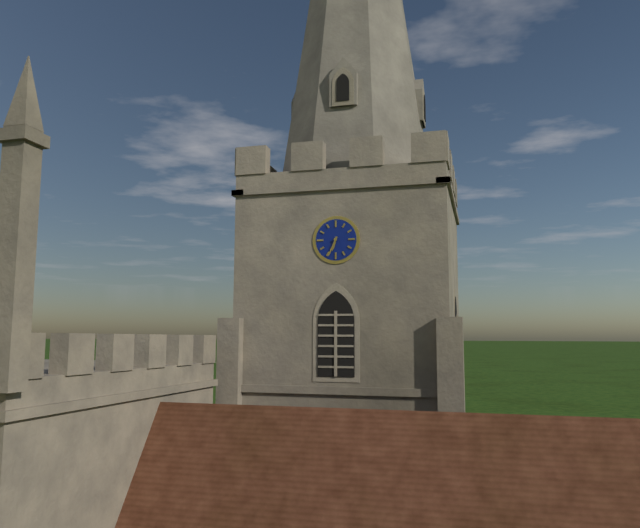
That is 6.34
